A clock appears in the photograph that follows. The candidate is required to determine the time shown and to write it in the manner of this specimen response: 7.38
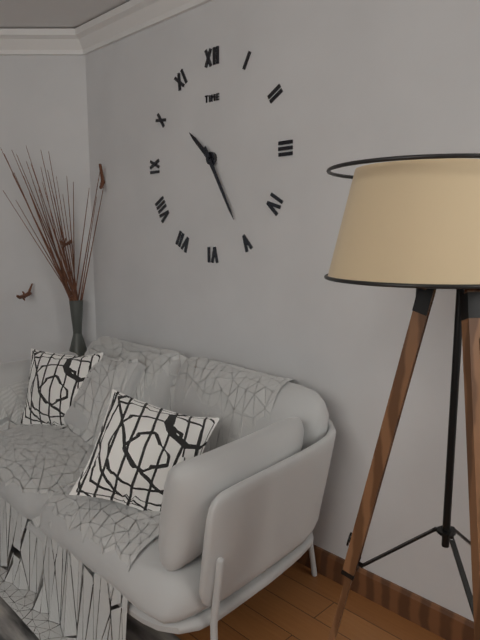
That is 10.25
